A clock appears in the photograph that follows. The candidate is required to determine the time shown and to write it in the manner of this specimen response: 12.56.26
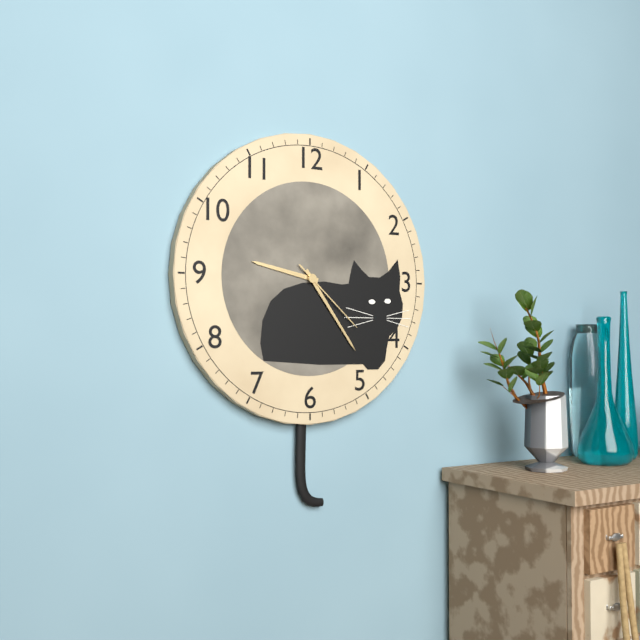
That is 9.24.22
